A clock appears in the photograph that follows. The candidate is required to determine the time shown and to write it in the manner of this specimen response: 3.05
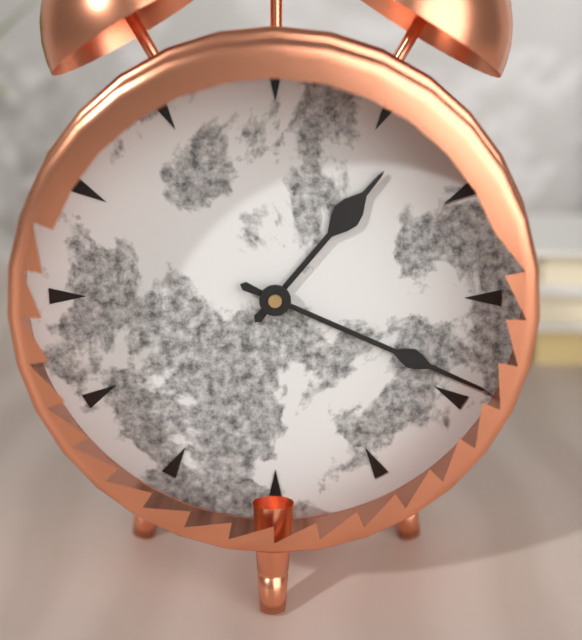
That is 1.19
